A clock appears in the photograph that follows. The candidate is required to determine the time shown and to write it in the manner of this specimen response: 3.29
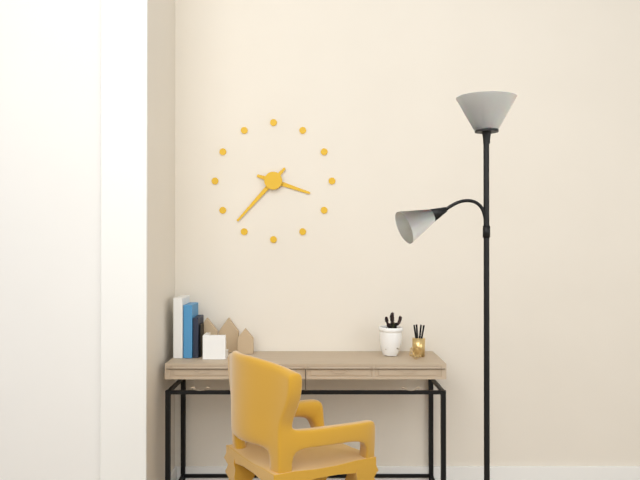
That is 3.37
